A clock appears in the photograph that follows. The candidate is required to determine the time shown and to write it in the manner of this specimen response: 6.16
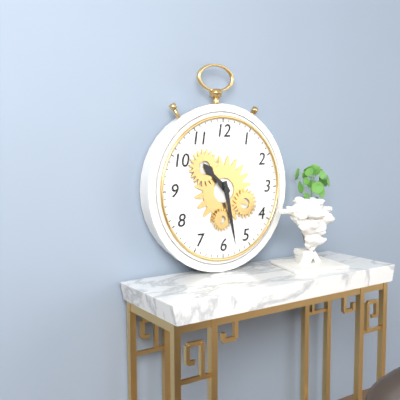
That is 10.28
